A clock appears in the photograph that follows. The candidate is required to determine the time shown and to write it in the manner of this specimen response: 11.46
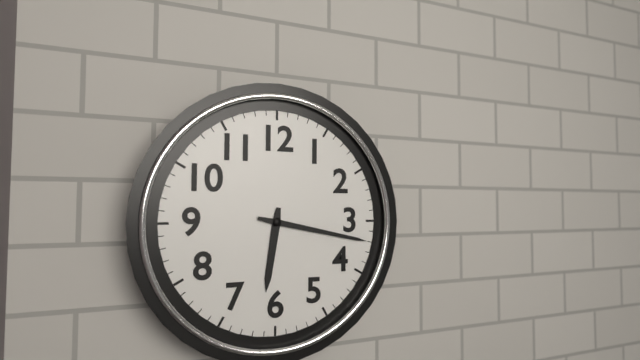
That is 6.17
